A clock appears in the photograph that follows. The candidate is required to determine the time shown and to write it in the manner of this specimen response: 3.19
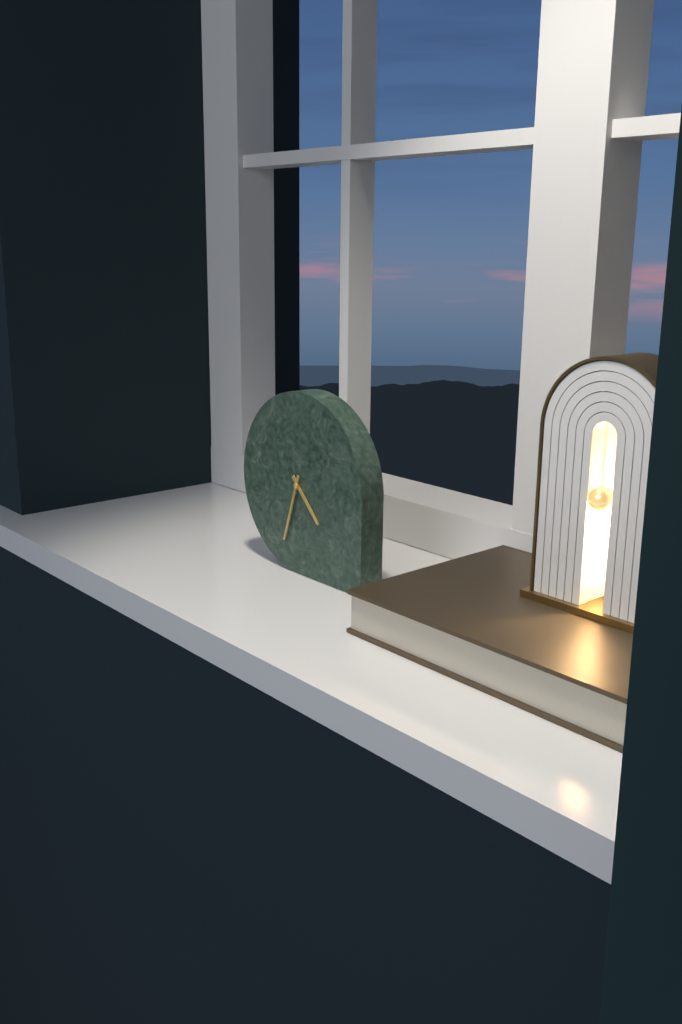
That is 4.33
